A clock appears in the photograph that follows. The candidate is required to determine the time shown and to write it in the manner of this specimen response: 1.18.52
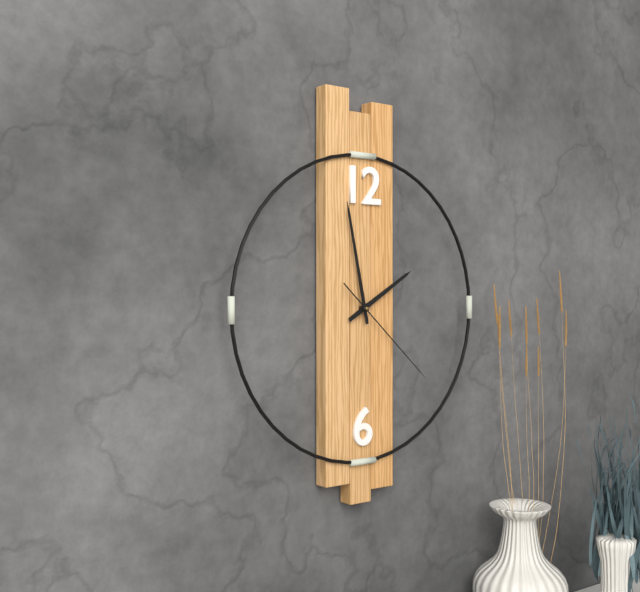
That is 1.58.22
